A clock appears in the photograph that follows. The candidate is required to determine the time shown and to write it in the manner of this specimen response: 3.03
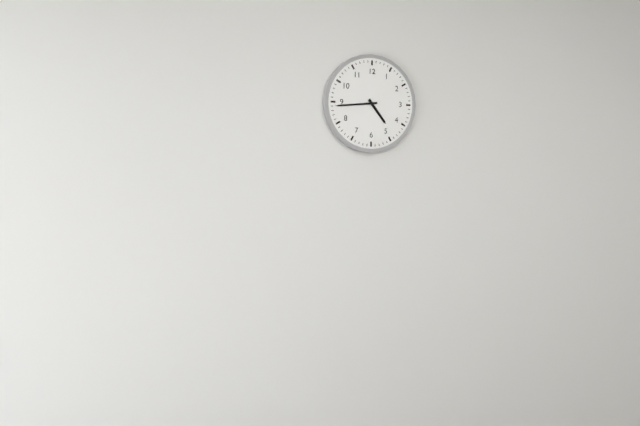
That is 4.44
